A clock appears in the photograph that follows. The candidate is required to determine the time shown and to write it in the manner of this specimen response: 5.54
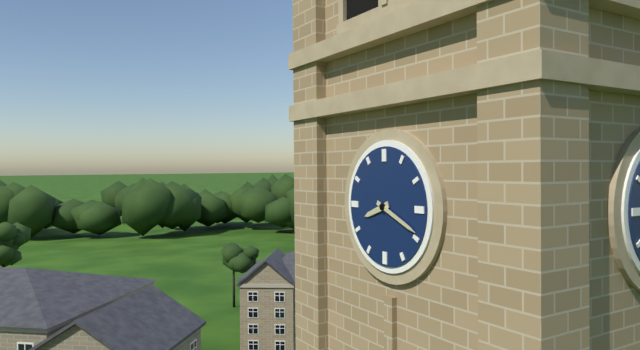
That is 8.19
